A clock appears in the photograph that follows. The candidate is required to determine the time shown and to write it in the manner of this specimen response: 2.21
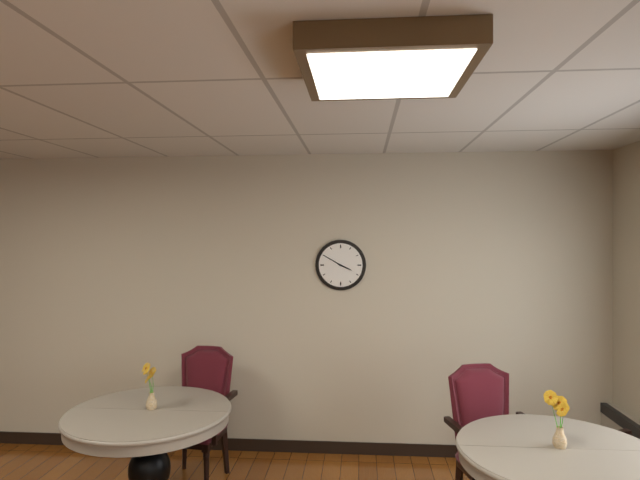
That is 3.50
